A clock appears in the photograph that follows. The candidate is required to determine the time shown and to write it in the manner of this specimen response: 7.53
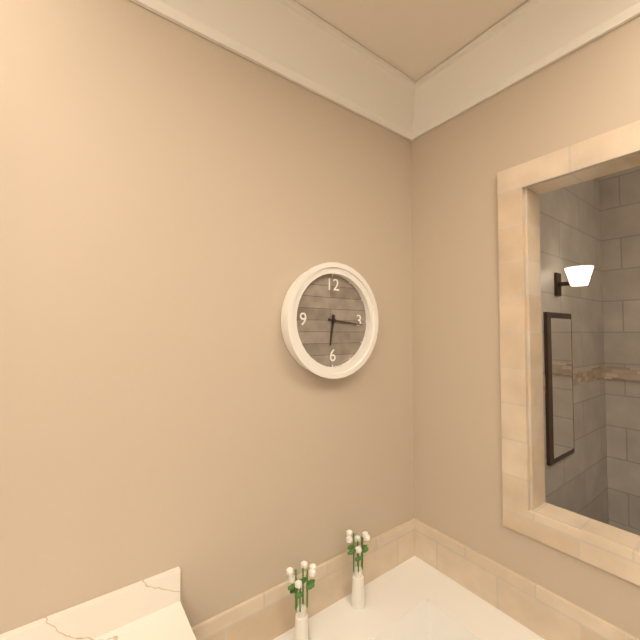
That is 6.16
